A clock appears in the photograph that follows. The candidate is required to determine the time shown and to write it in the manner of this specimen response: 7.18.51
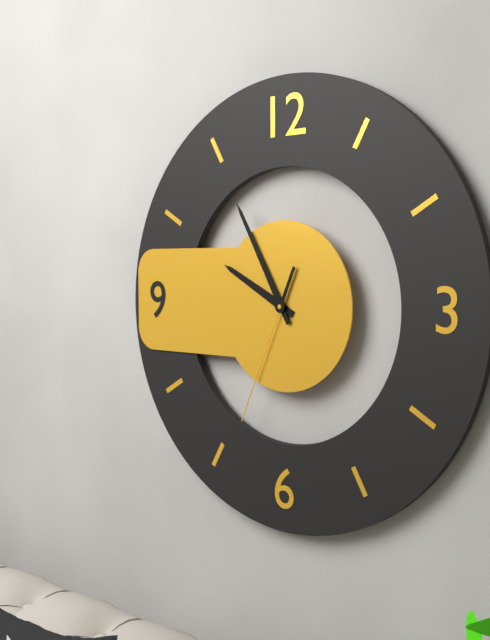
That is 9.55.34
